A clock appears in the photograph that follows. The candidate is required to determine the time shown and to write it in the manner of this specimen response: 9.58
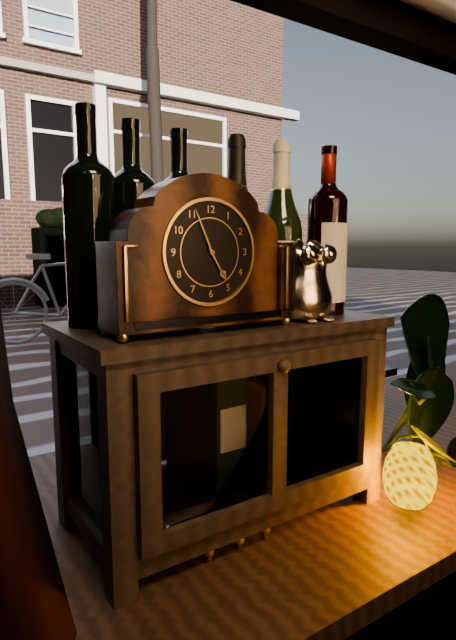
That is 4.56
